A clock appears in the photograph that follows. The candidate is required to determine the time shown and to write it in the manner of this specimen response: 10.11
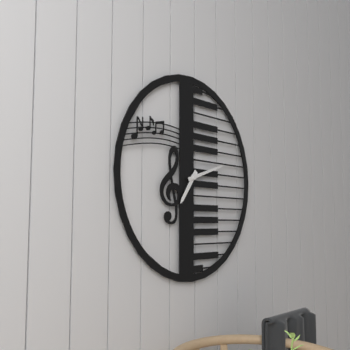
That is 7.12
